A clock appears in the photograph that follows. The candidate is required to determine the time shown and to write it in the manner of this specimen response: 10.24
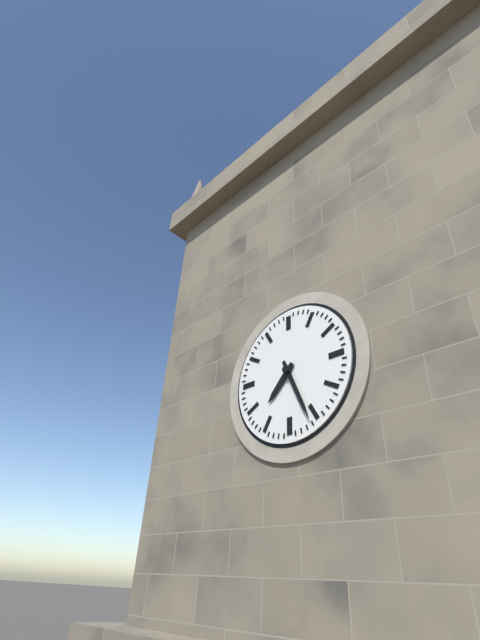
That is 7.26
